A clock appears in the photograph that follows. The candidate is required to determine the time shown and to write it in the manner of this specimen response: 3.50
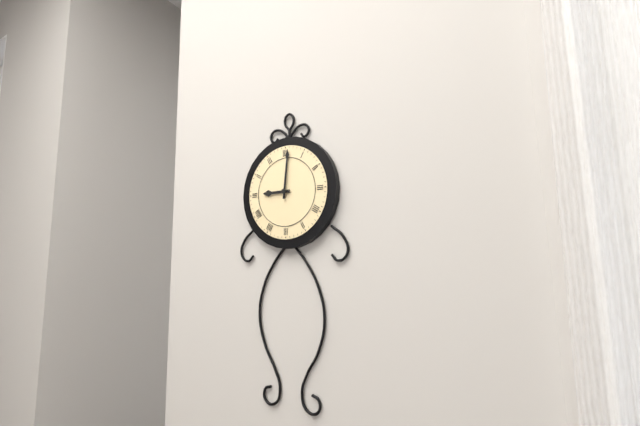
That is 9.01
